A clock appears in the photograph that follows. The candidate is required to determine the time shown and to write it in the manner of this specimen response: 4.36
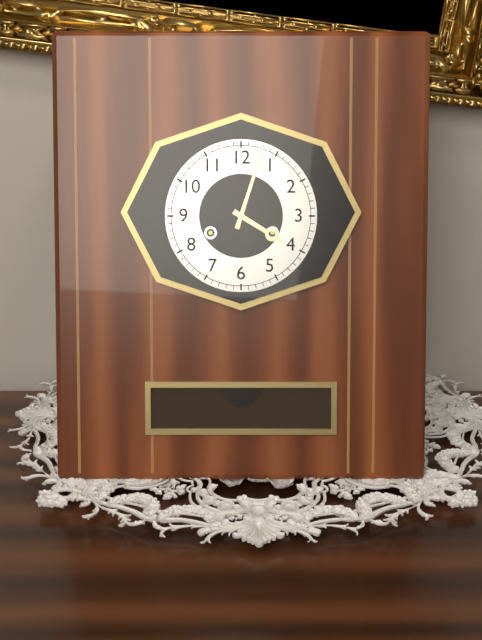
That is 4.03
